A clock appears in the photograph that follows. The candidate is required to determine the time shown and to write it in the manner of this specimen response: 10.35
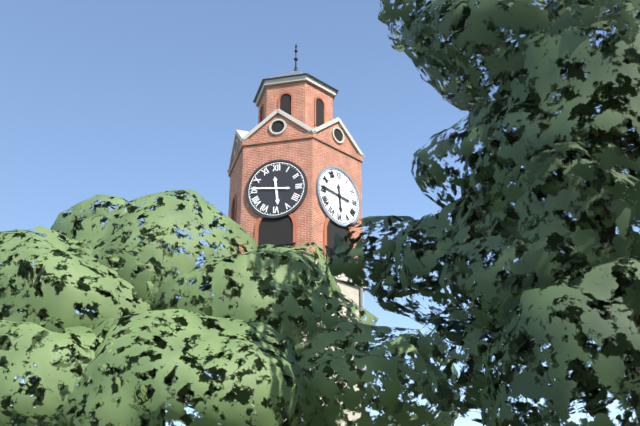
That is 5.46
